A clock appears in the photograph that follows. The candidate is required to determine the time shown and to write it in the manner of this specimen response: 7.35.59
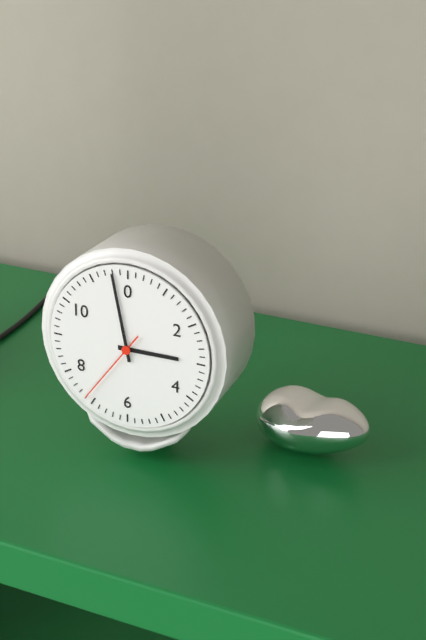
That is 2.58.36
